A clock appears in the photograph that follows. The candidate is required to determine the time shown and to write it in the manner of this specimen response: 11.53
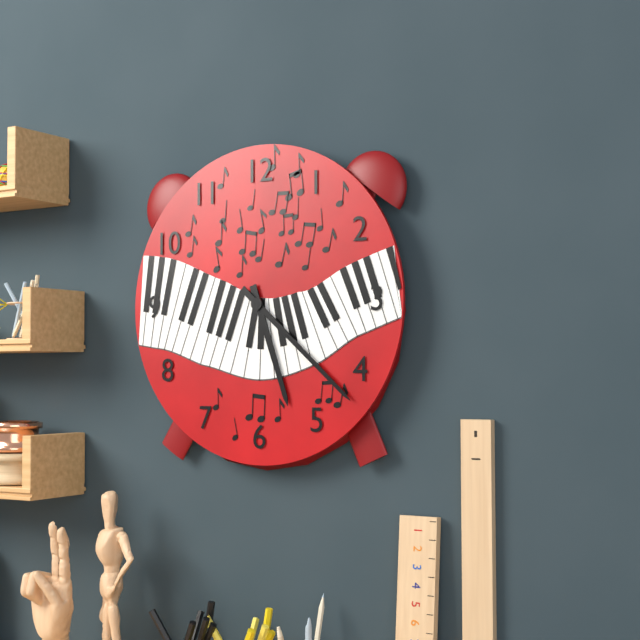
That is 5.22
